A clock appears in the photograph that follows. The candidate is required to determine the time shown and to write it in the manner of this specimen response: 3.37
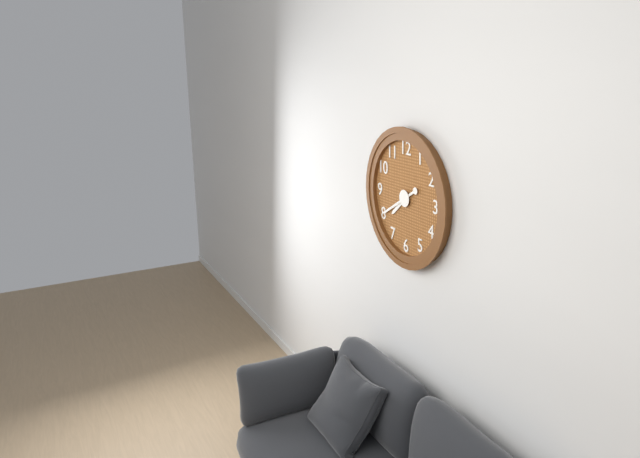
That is 7.40
